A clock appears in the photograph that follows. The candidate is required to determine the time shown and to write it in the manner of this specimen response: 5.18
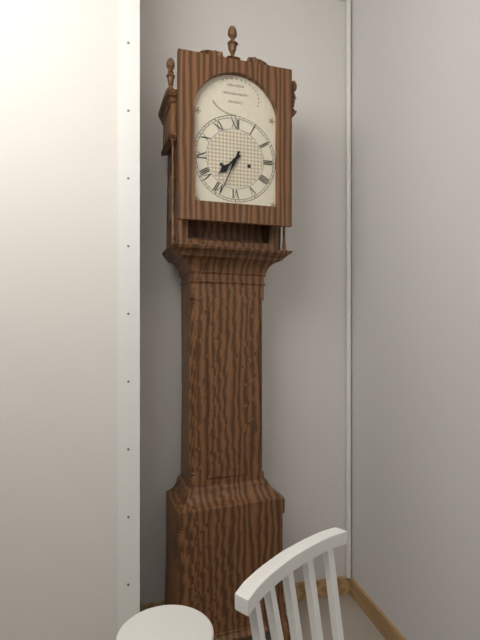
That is 7.34
